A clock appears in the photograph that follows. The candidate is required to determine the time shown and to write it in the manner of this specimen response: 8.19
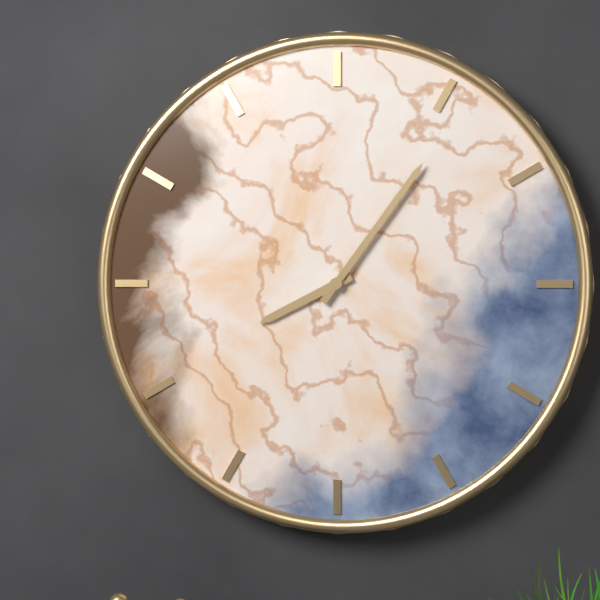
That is 8.06
